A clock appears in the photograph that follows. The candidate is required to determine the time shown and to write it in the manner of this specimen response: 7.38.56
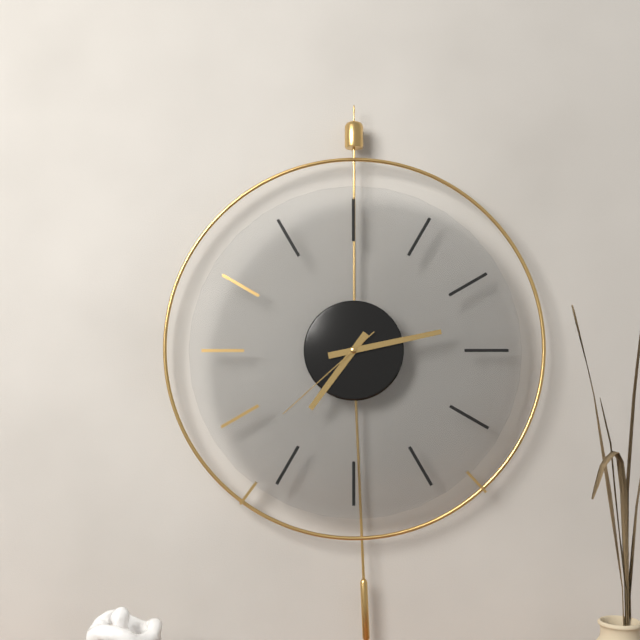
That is 7.13.38
